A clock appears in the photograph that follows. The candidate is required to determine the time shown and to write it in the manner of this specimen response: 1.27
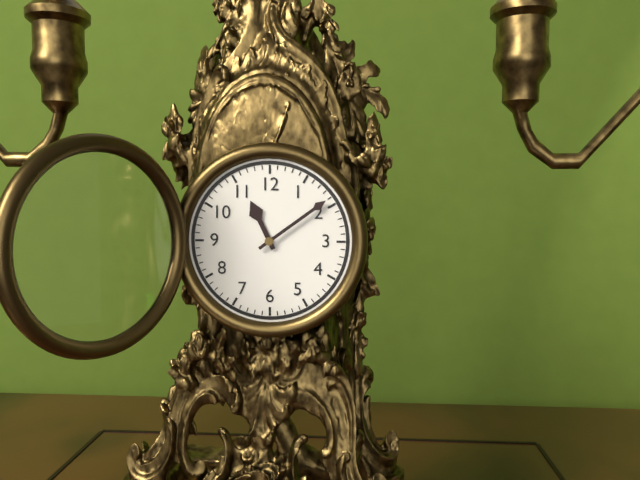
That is 11.09
